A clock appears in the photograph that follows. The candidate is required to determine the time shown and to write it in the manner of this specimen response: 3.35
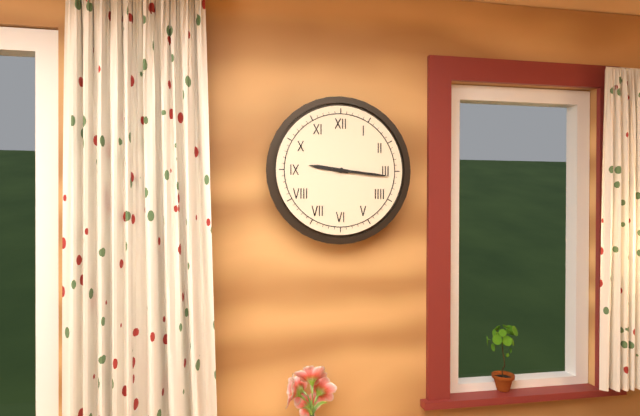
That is 9.16
